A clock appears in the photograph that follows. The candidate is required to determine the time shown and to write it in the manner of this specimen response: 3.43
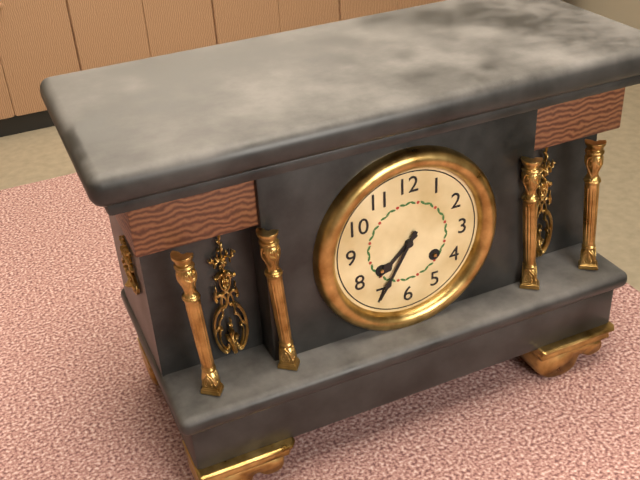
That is 7.35
